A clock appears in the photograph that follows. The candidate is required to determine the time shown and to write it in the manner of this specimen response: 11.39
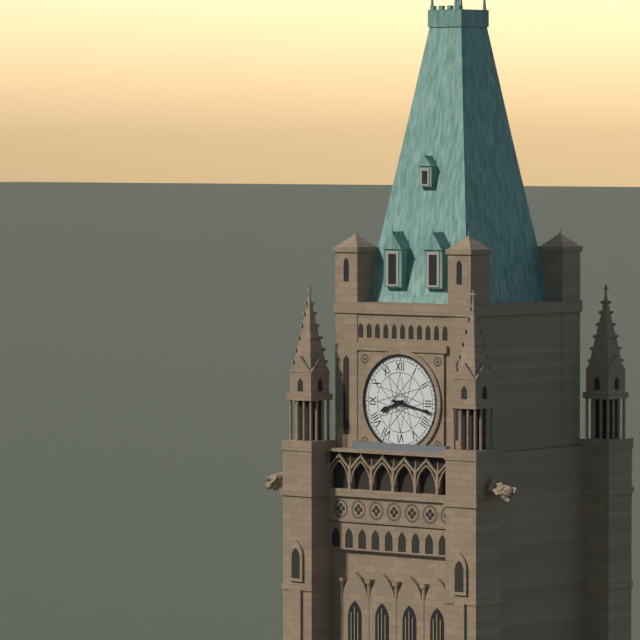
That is 8.17
